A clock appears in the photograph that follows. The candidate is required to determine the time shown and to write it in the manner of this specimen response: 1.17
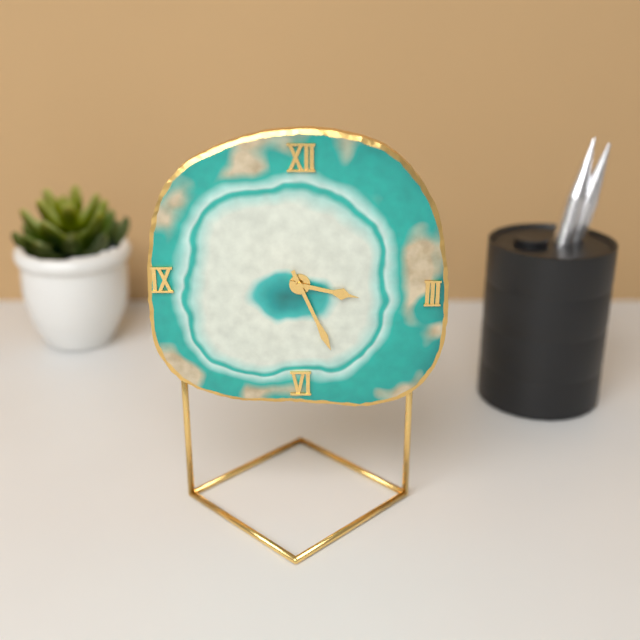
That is 3.26
